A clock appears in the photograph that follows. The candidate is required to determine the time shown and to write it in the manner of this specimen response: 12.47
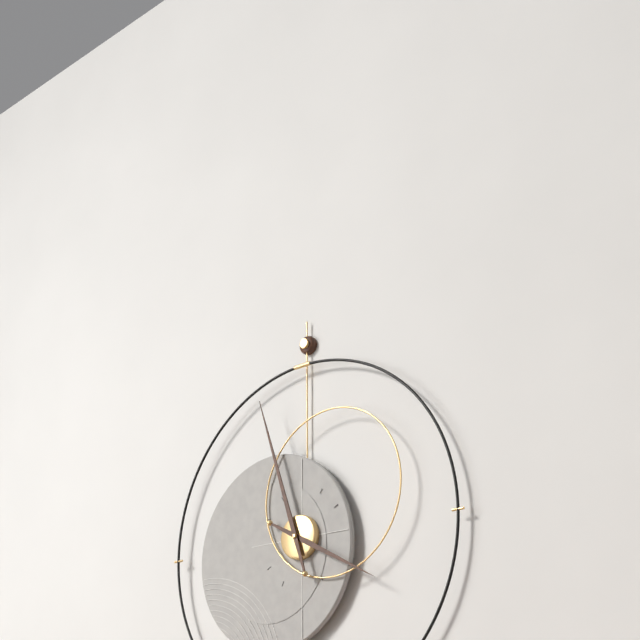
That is 3.57
